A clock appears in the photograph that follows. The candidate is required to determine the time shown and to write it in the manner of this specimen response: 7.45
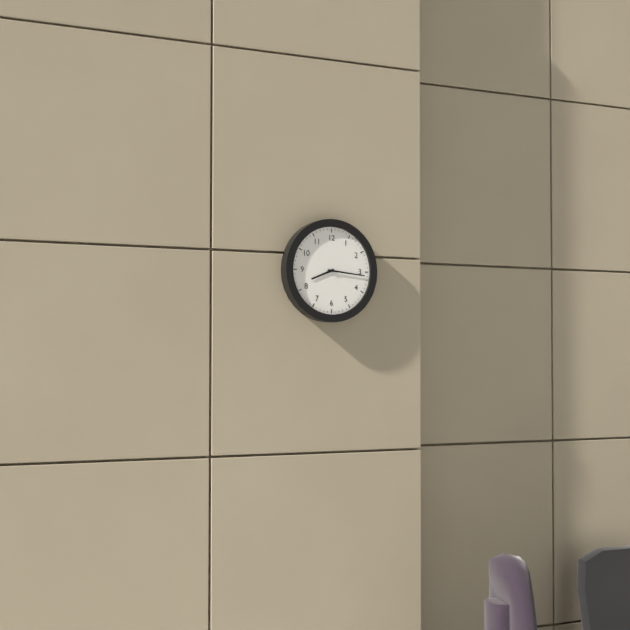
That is 8.16
